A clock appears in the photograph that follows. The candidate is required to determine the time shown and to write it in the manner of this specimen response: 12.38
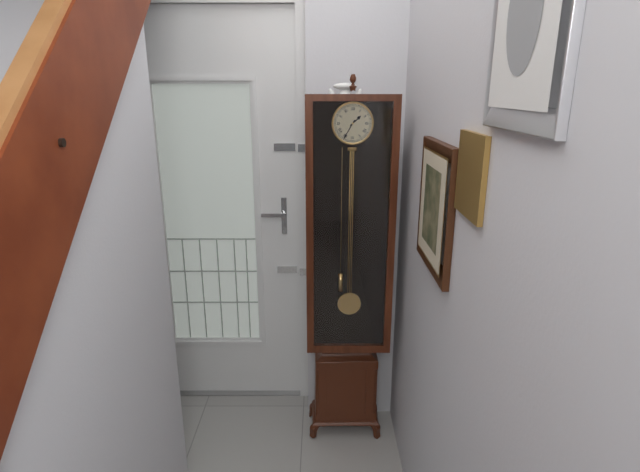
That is 1.35
